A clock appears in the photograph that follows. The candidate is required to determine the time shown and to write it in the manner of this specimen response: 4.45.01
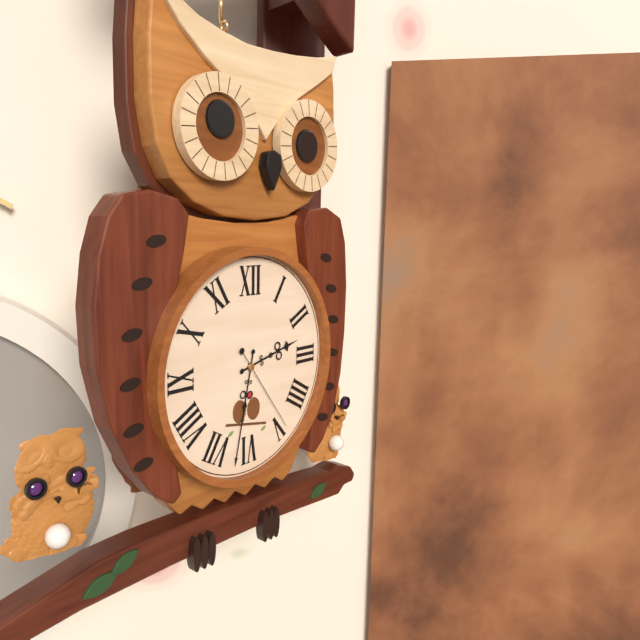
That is 2.32.24
